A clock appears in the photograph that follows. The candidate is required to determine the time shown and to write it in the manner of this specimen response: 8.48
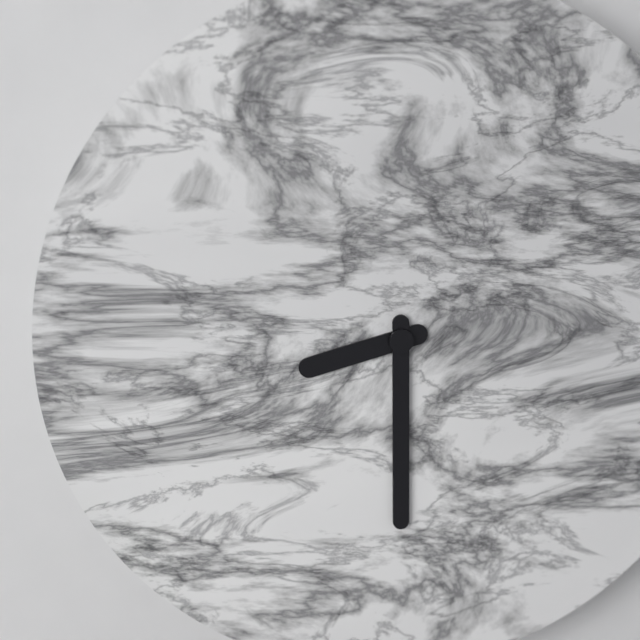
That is 8.30
